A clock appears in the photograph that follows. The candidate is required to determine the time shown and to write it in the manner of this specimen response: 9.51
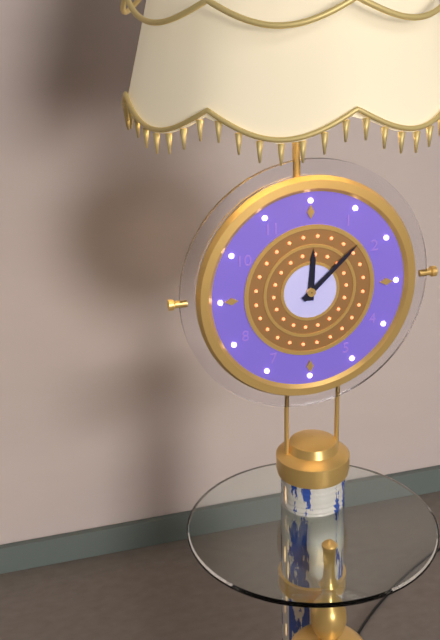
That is 12.08
